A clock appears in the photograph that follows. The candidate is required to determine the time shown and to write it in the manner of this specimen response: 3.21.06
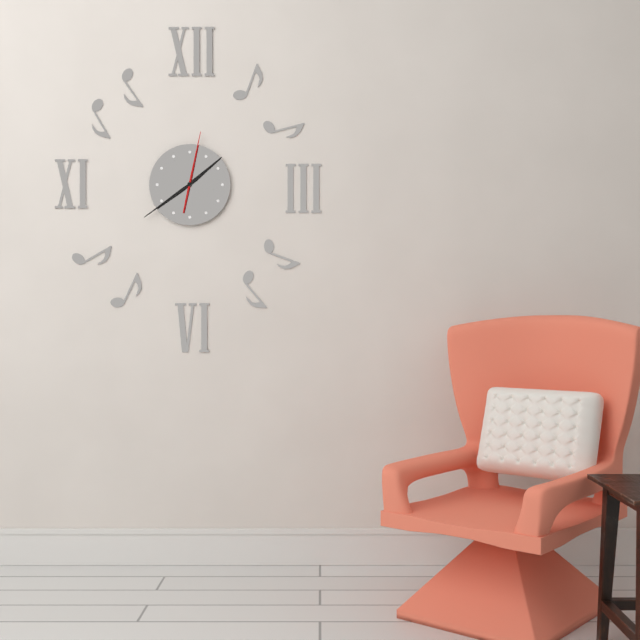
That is 1.39.02
